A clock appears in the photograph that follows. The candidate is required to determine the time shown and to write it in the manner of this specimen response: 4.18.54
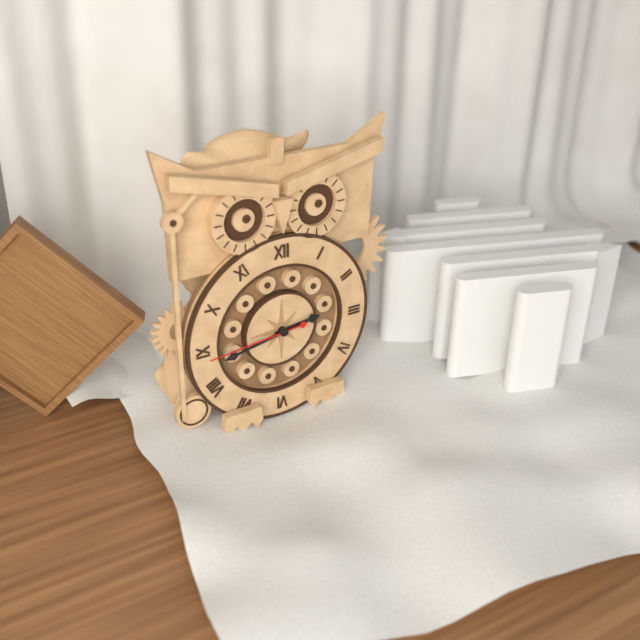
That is 2.43.44
